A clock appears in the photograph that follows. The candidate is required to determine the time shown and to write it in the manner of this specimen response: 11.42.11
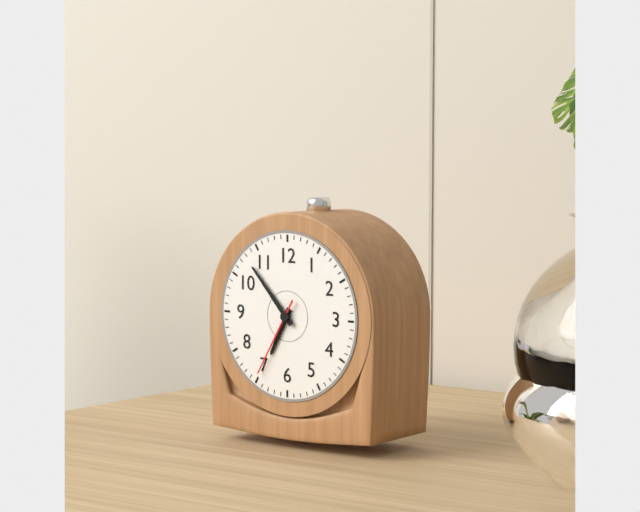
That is 6.53.35
